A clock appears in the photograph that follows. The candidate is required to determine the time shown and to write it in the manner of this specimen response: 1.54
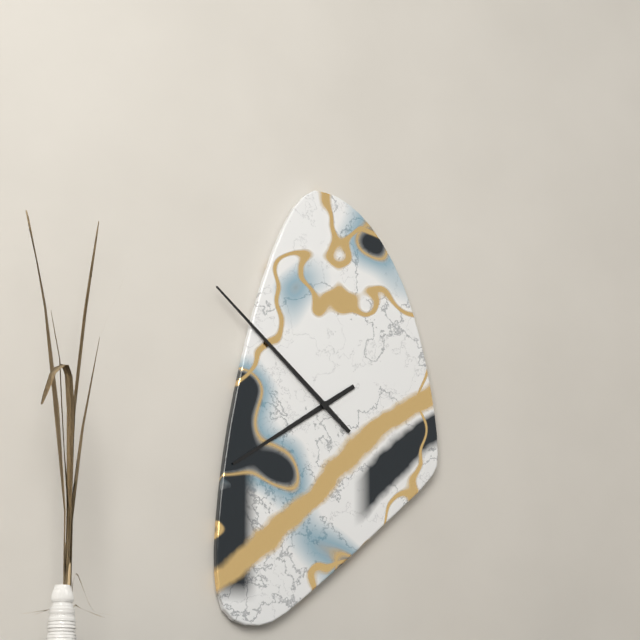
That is 7.52
